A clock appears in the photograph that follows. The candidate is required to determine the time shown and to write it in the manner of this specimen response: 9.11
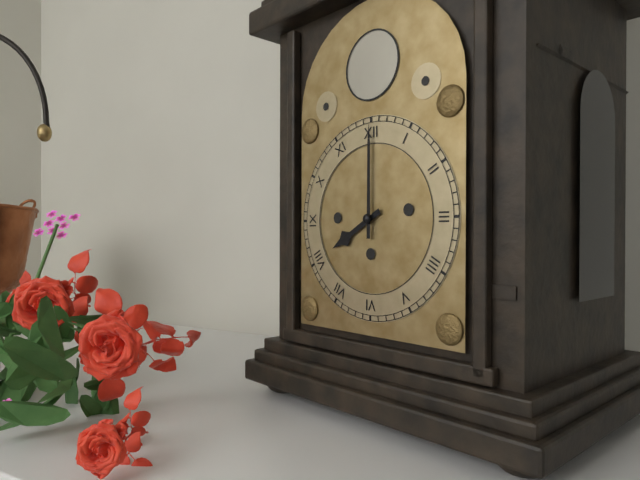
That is 8.00
